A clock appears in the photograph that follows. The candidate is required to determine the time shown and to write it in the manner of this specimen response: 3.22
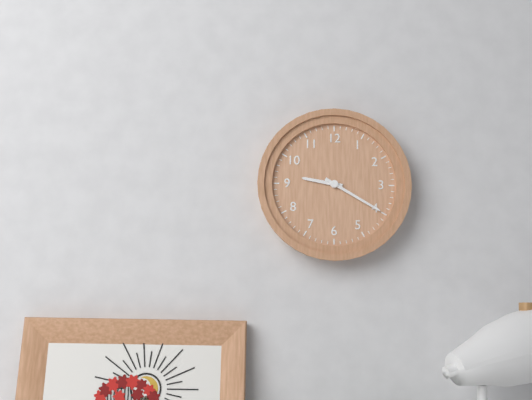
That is 9.20
